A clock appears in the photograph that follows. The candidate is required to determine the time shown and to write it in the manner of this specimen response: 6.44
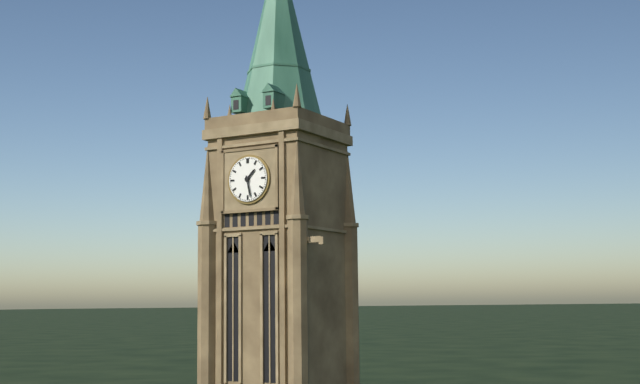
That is 1.28
